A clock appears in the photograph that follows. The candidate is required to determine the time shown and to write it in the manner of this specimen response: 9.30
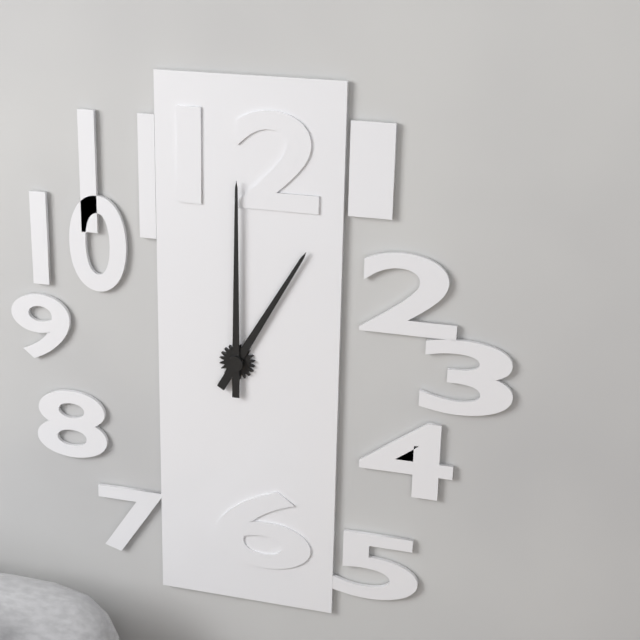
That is 1.00
